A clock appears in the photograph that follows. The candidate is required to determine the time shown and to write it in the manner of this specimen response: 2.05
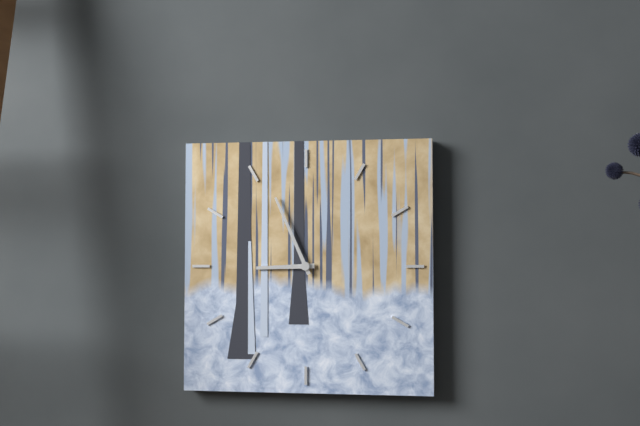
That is 8.56
